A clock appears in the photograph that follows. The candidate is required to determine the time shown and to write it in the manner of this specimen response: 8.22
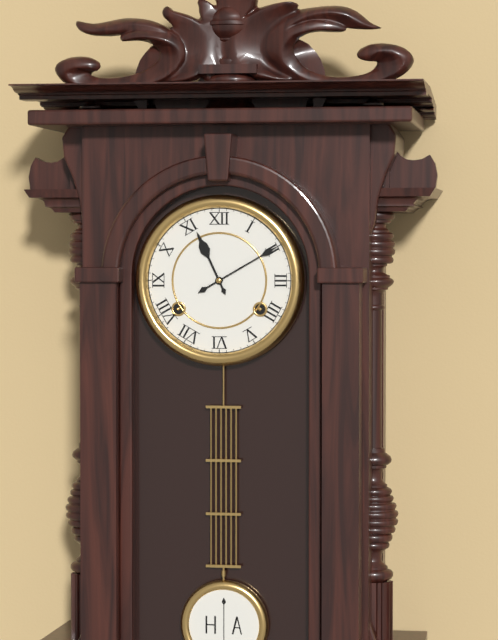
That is 11.10
